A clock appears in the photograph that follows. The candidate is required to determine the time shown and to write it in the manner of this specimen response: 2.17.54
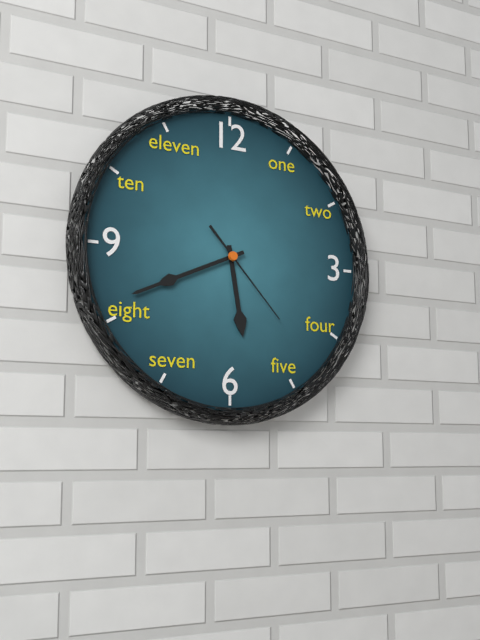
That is 5.41.23
